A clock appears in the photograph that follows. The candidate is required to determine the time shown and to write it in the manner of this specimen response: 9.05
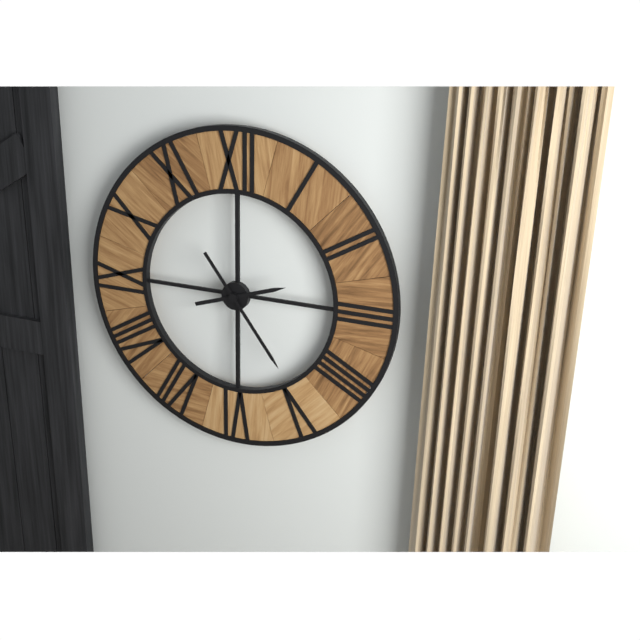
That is 2.24
